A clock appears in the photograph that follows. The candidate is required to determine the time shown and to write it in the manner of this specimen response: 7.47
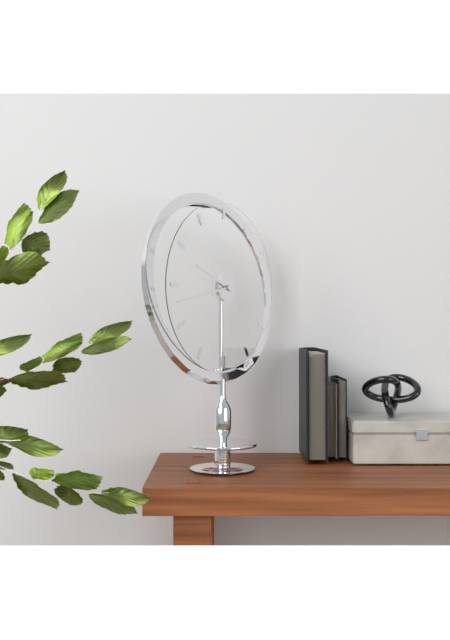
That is 9.43
